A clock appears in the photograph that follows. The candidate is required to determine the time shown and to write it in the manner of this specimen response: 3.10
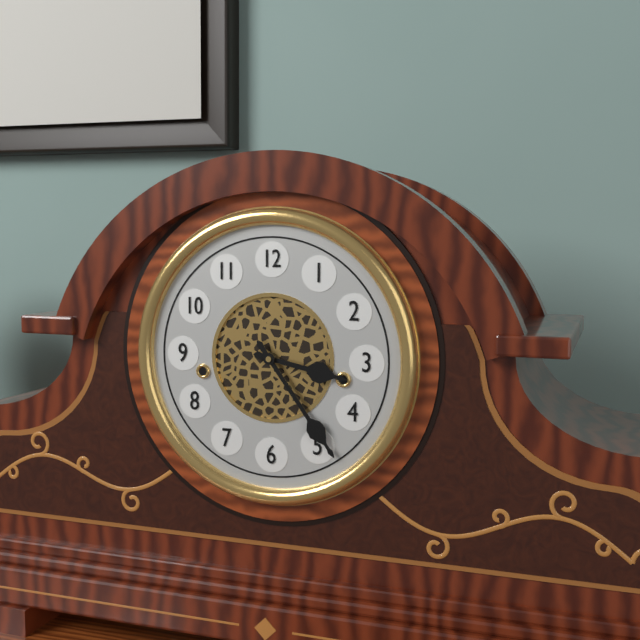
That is 3.24
